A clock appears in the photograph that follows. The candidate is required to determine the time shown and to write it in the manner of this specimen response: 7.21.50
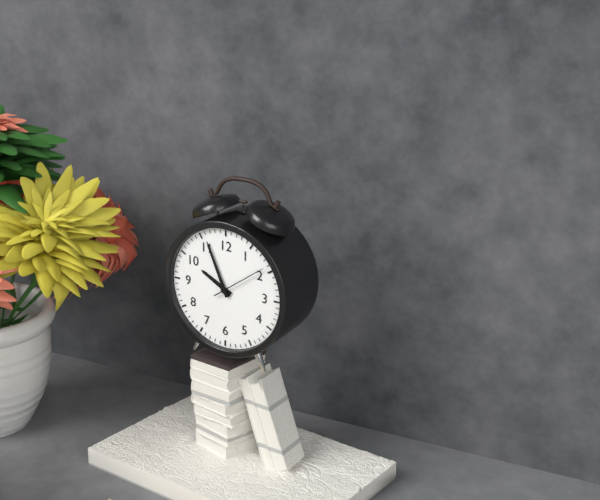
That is 9.56.09
